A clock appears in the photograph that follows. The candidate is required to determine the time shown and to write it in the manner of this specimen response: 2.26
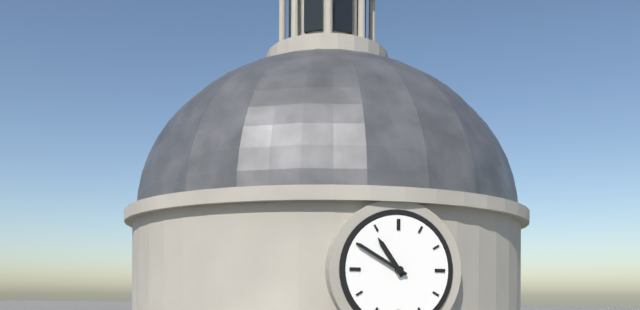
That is 10.50
